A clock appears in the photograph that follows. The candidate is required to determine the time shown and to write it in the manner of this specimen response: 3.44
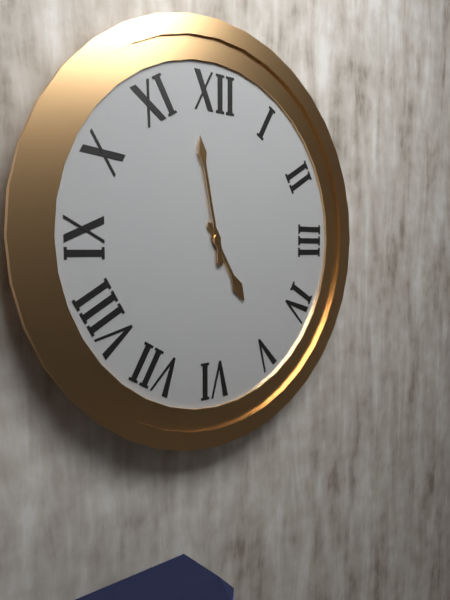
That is 4.58
